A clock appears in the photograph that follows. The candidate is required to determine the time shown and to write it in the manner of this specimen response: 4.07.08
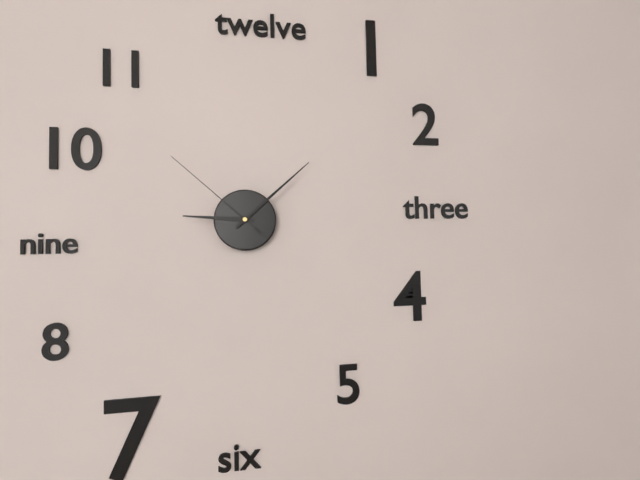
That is 9.08.52
